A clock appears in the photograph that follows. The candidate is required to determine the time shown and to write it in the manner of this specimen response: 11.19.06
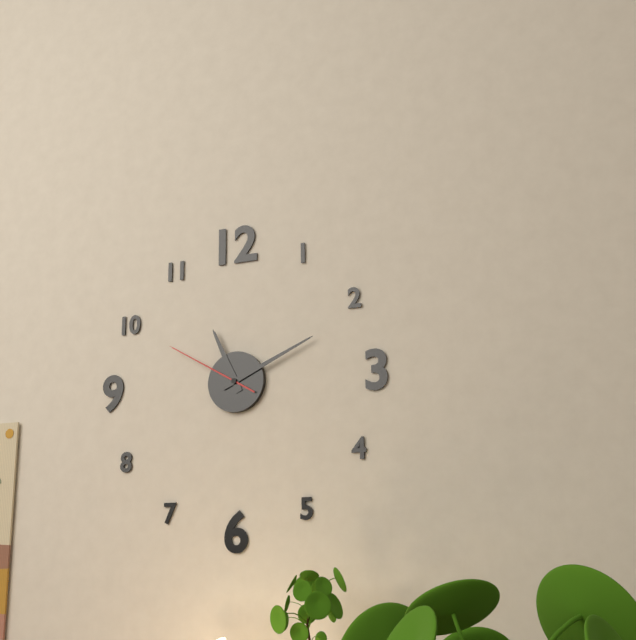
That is 11.11.50
